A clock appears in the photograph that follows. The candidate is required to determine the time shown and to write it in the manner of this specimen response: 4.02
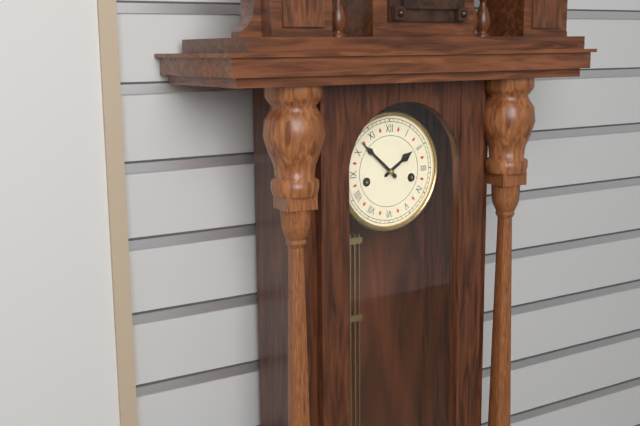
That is 1.52
